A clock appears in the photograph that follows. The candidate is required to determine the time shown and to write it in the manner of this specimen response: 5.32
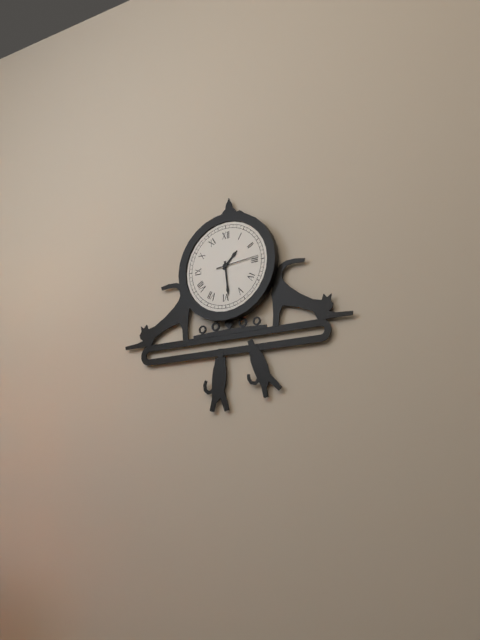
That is 1.29
